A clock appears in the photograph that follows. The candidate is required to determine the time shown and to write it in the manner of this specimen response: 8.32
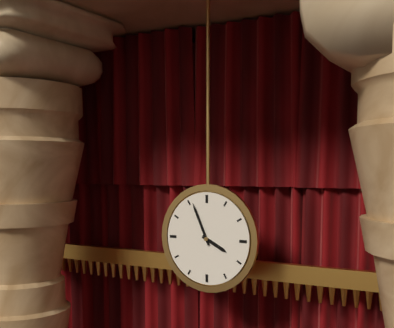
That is 3.56
